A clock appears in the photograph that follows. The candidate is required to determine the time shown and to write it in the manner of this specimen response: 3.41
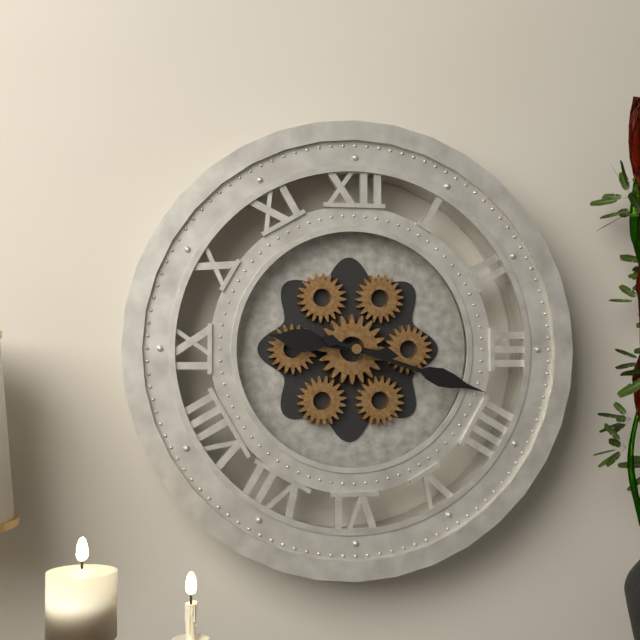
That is 9.18
